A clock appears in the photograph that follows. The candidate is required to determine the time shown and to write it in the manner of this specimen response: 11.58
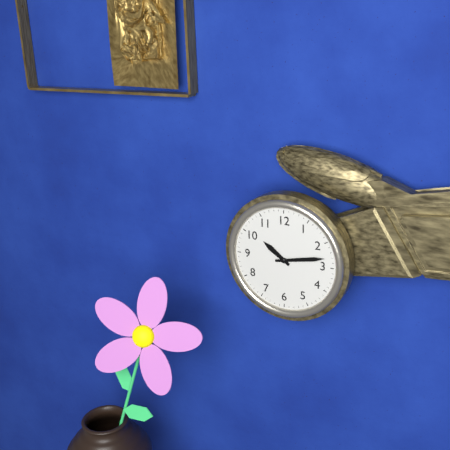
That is 10.13
